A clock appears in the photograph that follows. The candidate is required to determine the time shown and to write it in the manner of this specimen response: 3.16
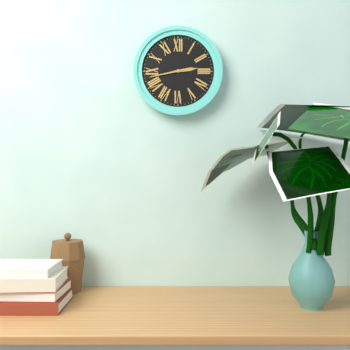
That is 2.43
